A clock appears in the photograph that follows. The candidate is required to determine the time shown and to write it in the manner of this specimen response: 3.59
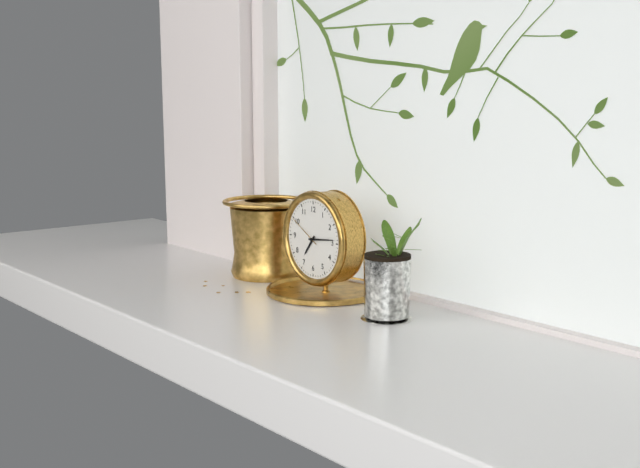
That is 7.14
